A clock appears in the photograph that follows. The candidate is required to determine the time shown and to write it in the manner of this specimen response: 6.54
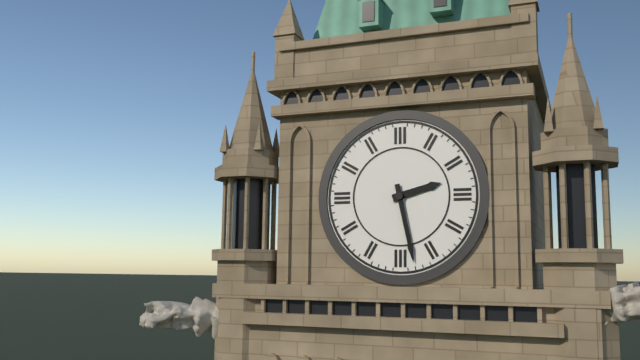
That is 2.28
